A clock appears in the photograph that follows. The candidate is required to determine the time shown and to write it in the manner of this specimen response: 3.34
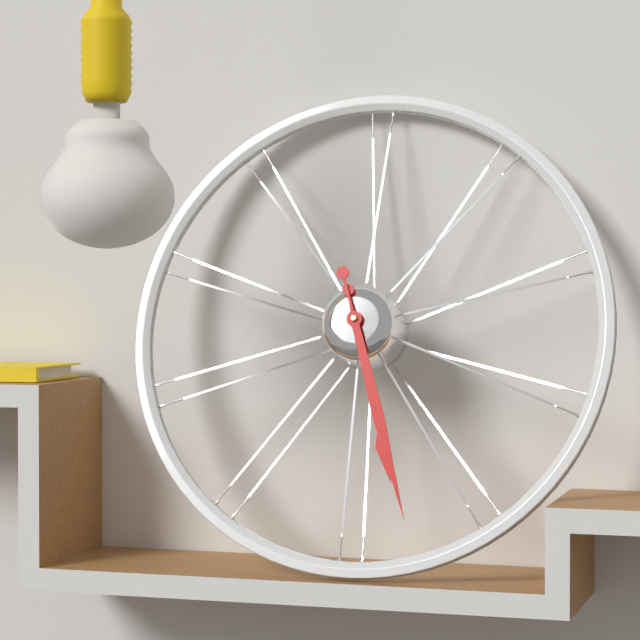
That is 5.27
